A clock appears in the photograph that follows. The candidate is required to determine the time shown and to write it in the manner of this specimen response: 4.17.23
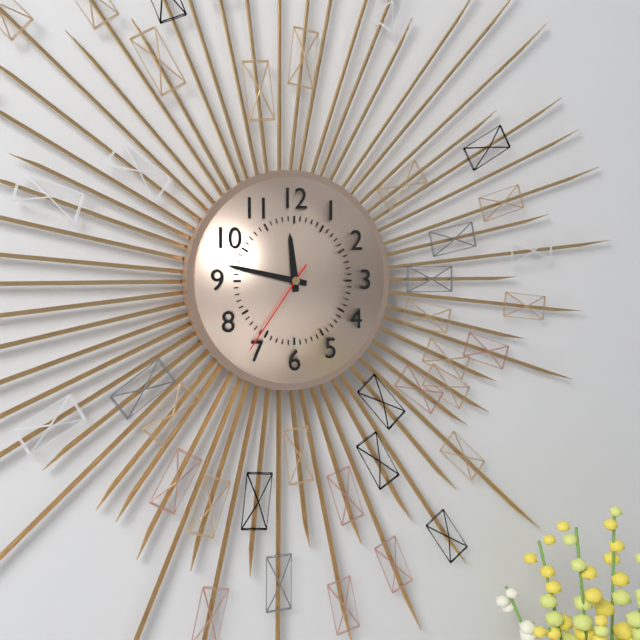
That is 11.47.36
